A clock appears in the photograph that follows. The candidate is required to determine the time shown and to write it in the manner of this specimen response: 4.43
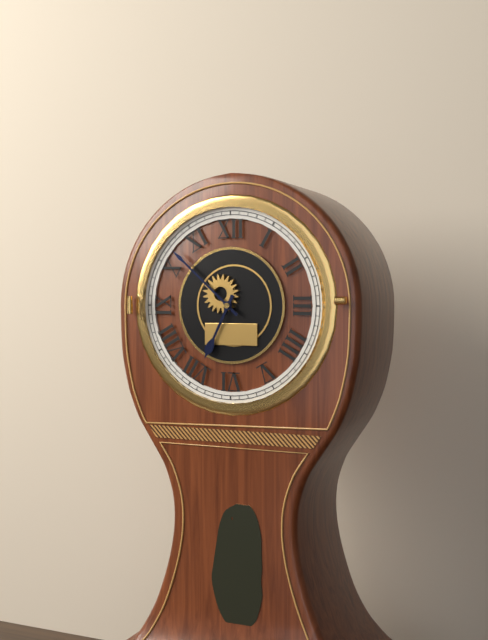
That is 6.52
